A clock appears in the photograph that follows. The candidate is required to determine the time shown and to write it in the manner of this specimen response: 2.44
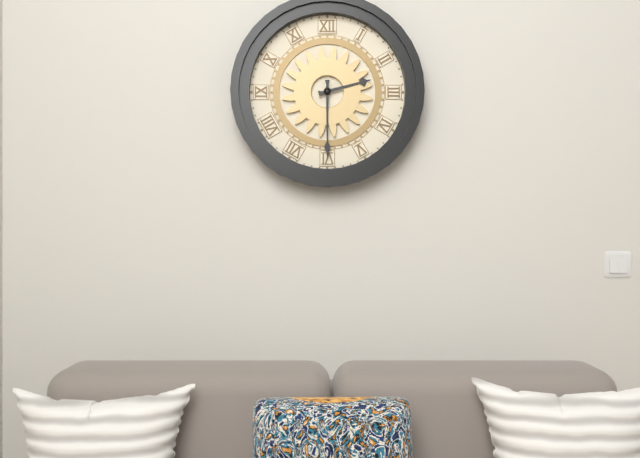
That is 2.30
